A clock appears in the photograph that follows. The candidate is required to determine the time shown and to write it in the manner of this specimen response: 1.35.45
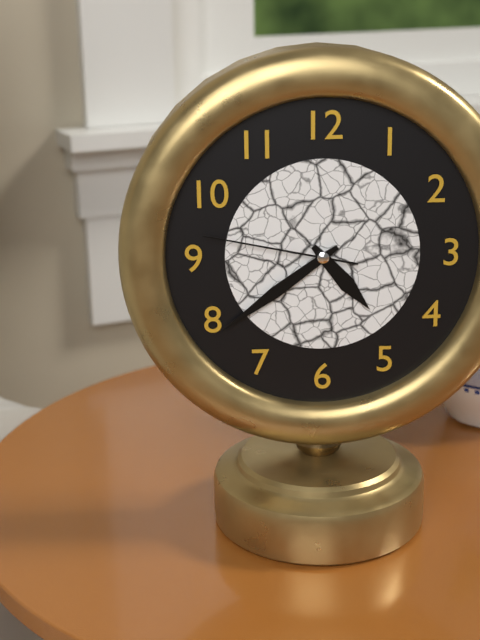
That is 4.39.47
